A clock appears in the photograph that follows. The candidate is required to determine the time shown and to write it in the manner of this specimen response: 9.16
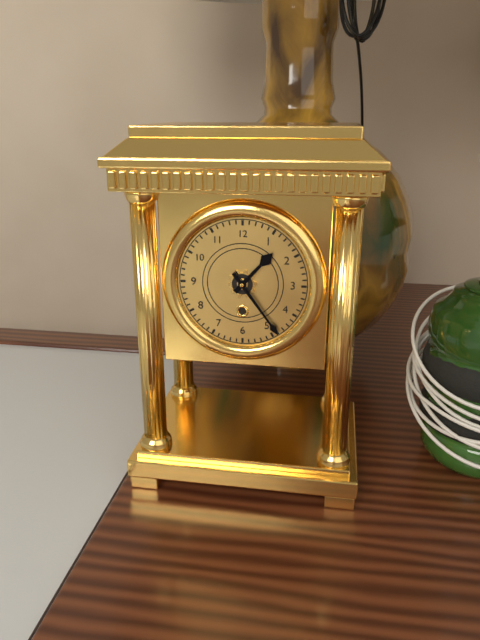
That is 1.24
